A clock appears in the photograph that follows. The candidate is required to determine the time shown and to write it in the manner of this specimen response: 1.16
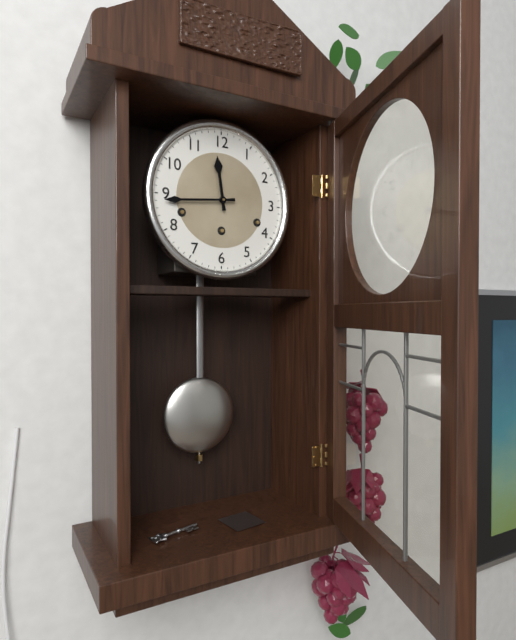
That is 11.44
